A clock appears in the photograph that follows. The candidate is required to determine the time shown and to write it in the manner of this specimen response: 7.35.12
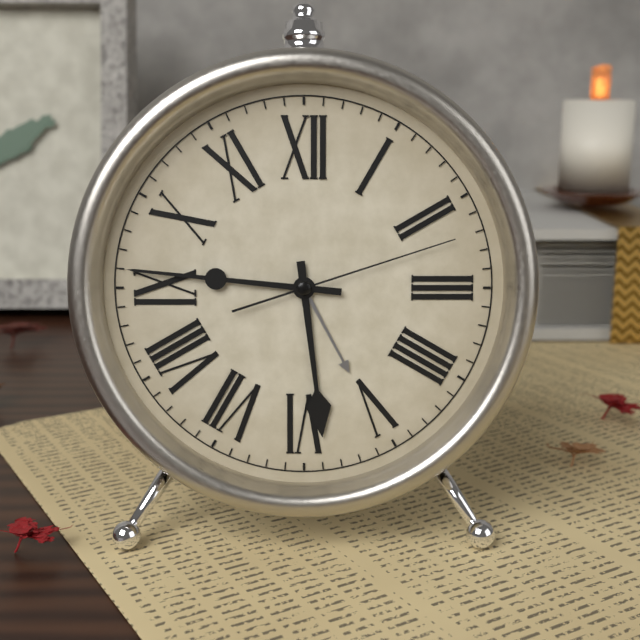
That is 5.46.12
